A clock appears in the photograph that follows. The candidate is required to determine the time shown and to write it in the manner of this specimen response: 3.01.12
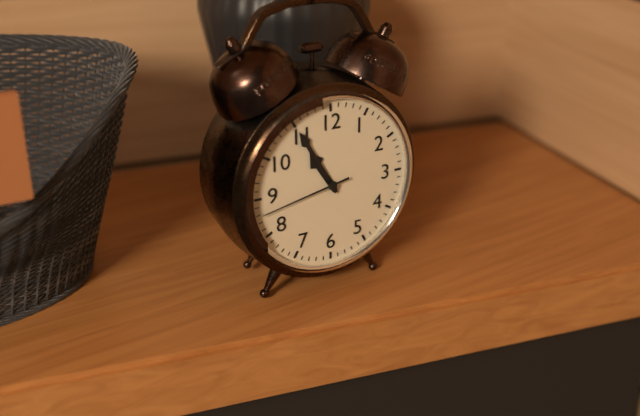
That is 10.55.43
